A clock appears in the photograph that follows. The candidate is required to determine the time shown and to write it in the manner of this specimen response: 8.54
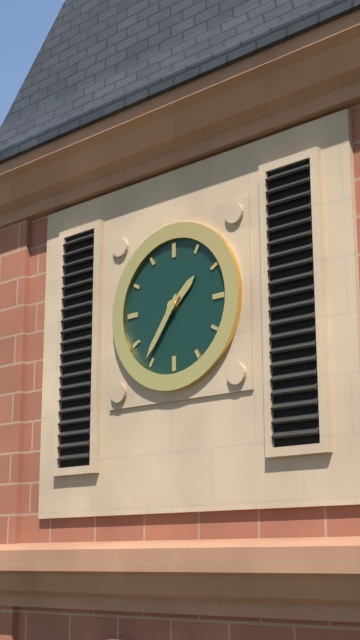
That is 1.36
